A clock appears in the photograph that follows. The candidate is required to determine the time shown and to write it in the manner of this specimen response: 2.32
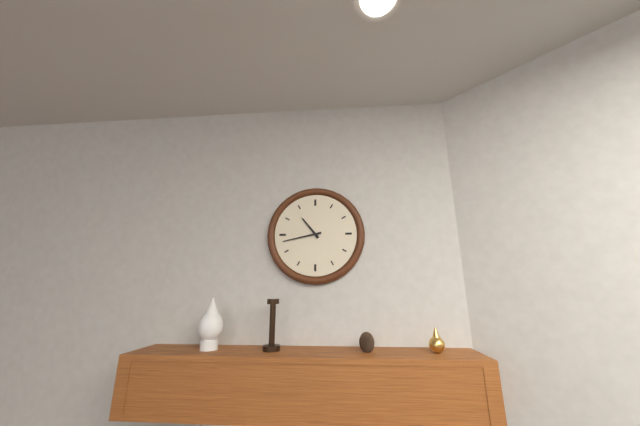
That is 10.43
